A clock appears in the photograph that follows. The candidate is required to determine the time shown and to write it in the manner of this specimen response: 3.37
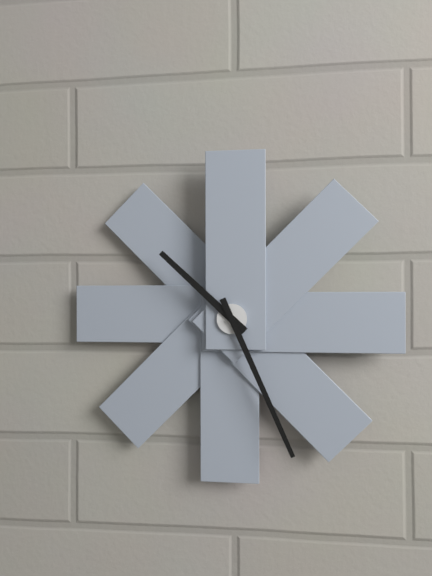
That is 10.26
